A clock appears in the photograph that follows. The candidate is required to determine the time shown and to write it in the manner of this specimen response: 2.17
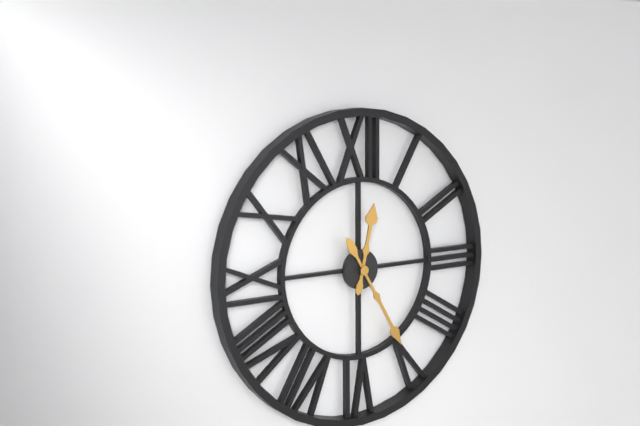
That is 12.25
